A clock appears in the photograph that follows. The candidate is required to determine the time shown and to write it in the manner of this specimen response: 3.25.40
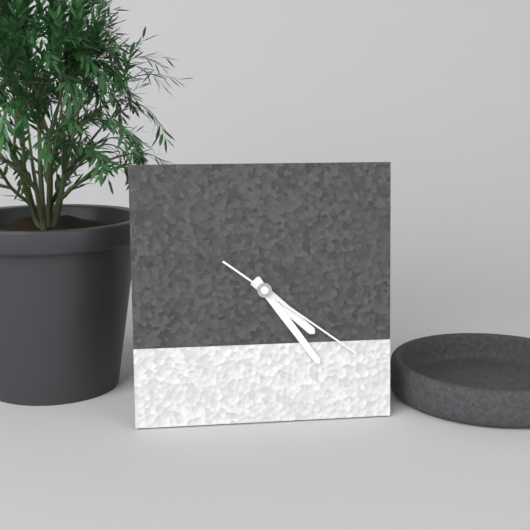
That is 4.24.21
